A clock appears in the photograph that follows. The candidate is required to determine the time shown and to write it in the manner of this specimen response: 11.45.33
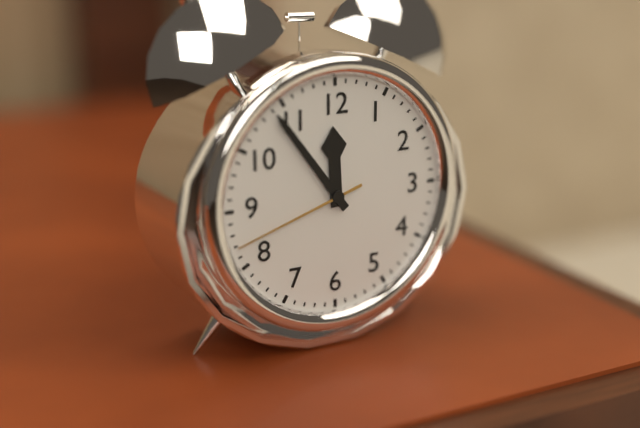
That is 11.54.42
